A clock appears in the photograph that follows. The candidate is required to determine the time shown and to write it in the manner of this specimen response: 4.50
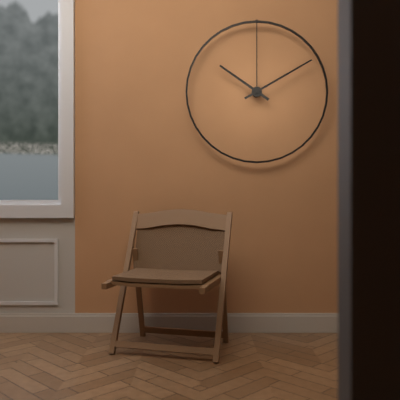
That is 10.10
